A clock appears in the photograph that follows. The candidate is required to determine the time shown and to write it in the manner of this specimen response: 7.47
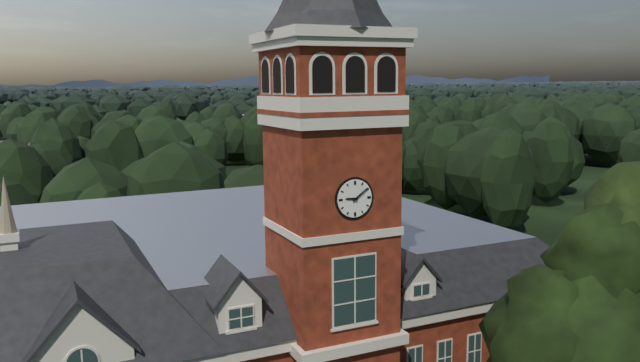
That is 9.09
